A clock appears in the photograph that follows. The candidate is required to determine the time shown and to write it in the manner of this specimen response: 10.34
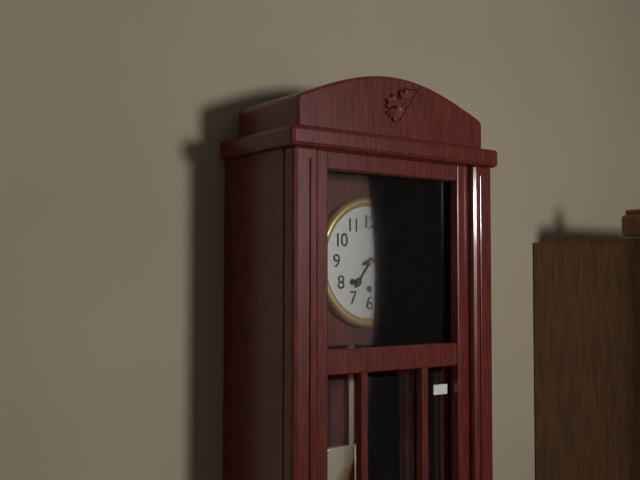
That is 7.13
